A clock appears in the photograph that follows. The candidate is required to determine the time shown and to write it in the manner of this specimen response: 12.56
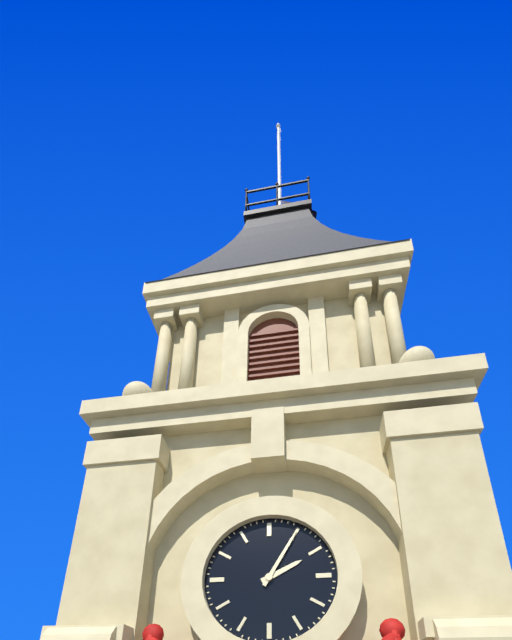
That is 2.05
